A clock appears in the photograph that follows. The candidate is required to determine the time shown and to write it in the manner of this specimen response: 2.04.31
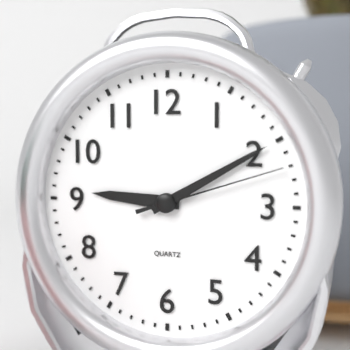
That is 9.10.12
